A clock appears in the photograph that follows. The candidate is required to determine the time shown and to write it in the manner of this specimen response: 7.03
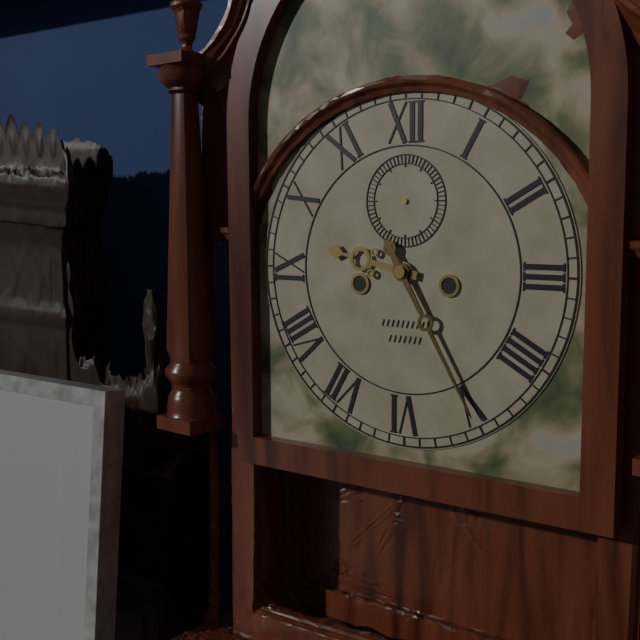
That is 9.25
